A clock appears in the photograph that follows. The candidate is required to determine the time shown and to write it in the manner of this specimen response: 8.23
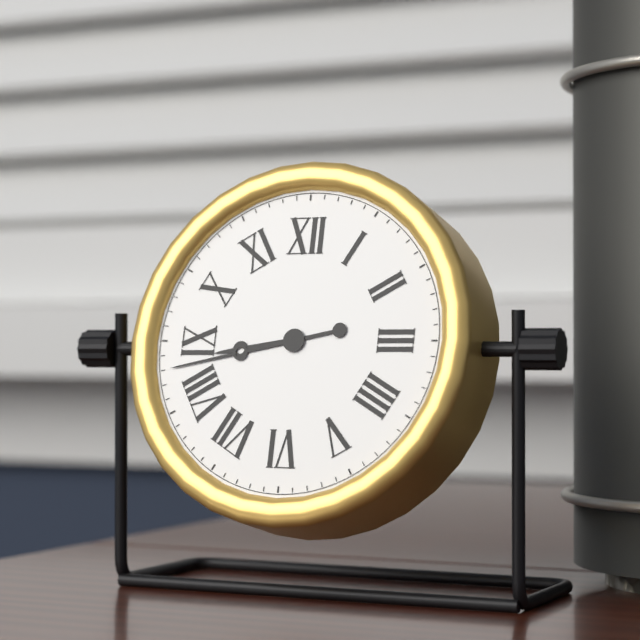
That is 8.43
